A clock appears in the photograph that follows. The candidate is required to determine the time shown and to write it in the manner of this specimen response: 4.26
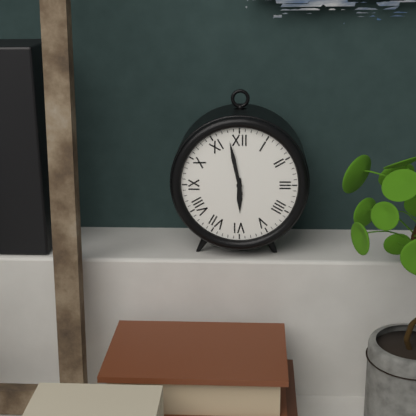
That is 5.58
